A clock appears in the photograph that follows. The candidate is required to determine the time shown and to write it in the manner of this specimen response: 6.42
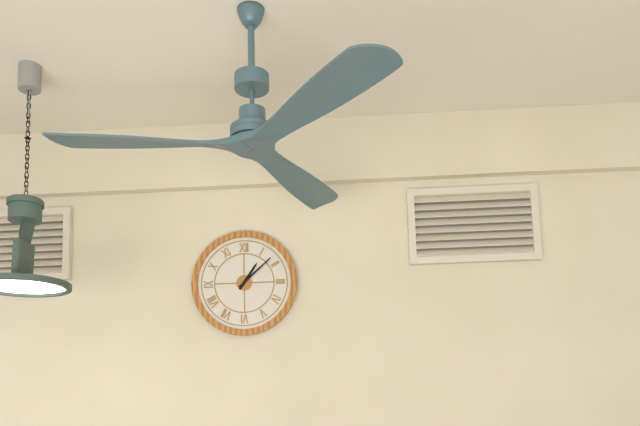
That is 1.08
